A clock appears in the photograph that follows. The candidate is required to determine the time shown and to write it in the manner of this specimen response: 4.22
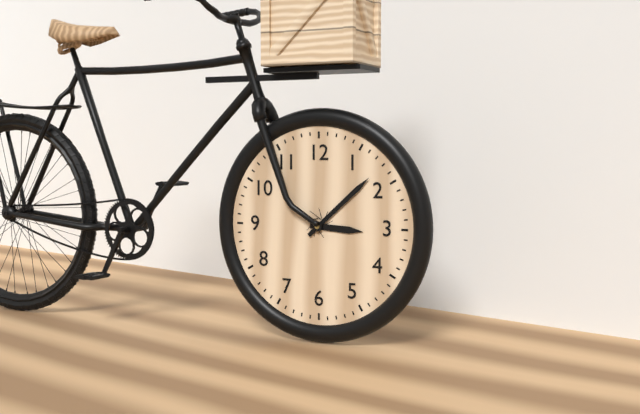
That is 3.08
